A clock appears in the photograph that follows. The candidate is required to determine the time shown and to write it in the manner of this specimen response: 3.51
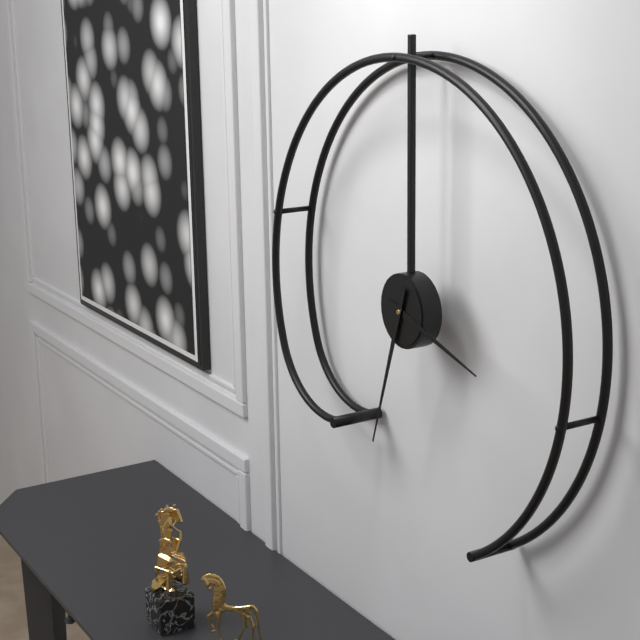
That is 3.33
